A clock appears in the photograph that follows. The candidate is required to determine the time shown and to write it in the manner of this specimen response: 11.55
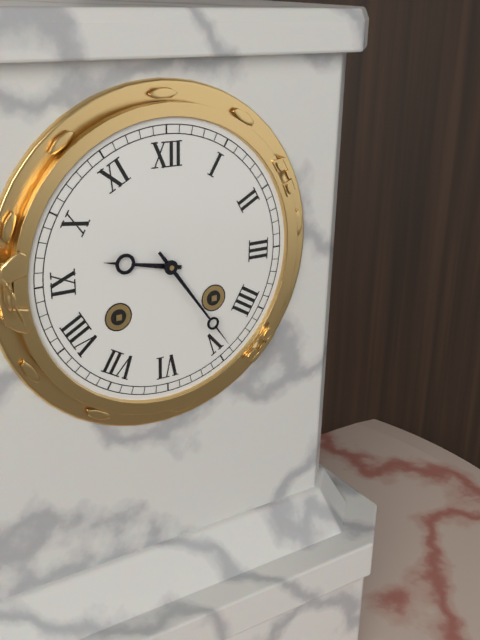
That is 9.24
